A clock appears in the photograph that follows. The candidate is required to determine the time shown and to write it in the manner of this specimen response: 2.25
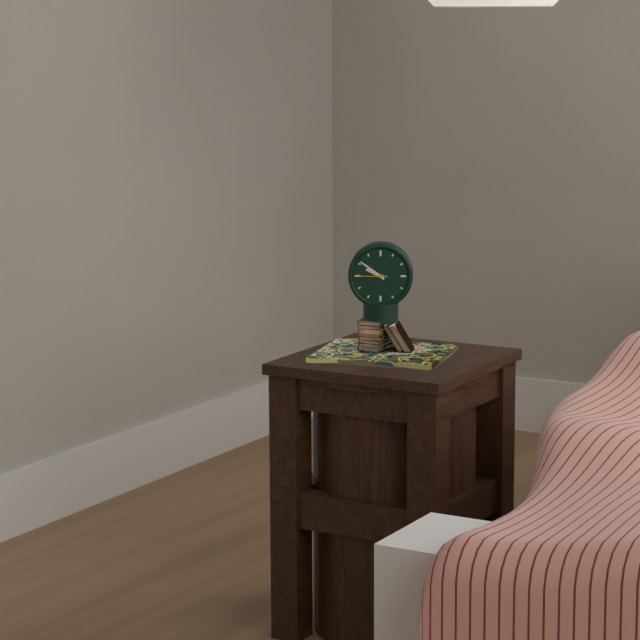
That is 9.51
